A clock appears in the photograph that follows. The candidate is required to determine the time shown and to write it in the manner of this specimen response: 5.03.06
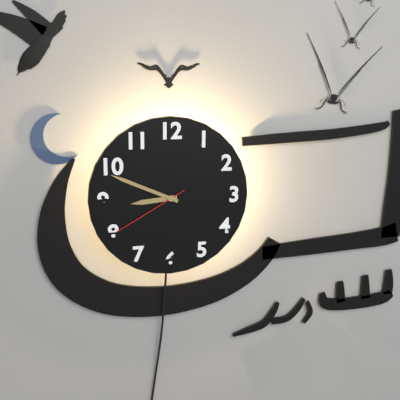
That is 8.49.40
